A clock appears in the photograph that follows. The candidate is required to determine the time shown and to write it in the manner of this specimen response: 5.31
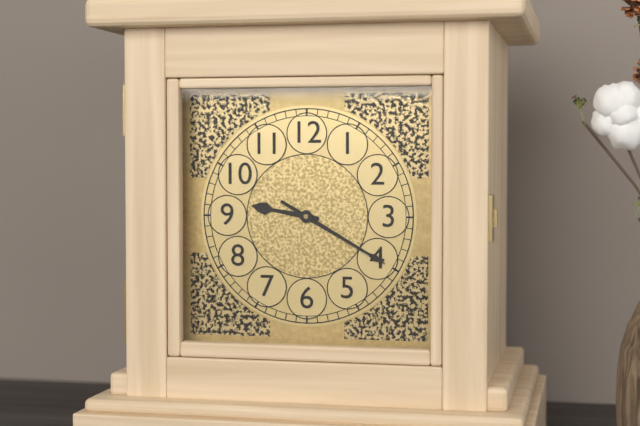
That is 9.20
